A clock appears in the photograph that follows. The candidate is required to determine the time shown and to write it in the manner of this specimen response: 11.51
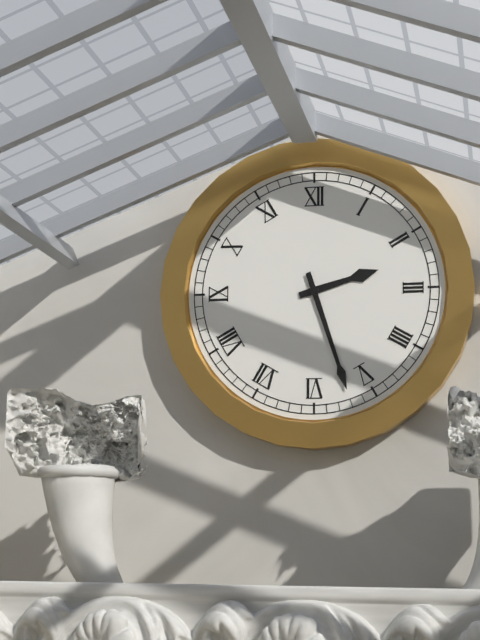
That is 2.27
